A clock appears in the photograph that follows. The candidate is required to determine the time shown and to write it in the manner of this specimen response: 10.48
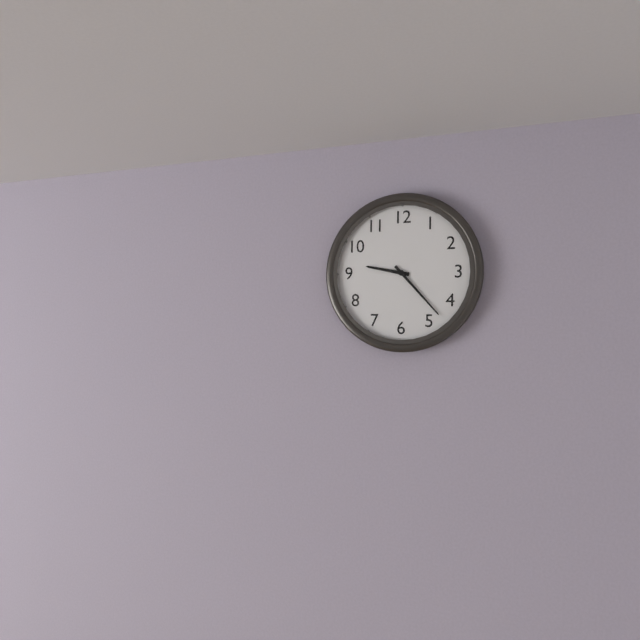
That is 9.23
